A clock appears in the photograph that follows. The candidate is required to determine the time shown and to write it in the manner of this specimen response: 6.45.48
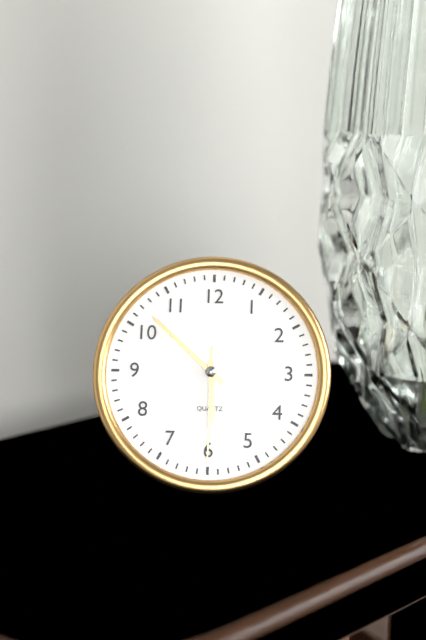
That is 5.52.30
